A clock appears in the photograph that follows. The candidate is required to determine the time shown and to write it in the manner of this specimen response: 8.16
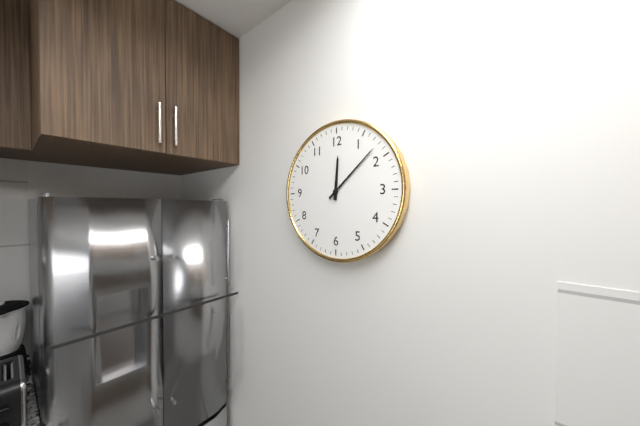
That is 12.08
